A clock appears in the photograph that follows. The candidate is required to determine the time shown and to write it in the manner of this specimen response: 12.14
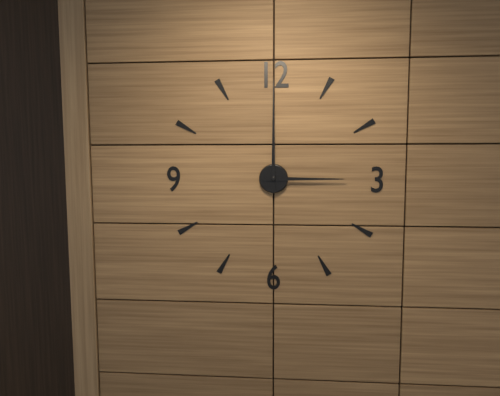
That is 3.00
